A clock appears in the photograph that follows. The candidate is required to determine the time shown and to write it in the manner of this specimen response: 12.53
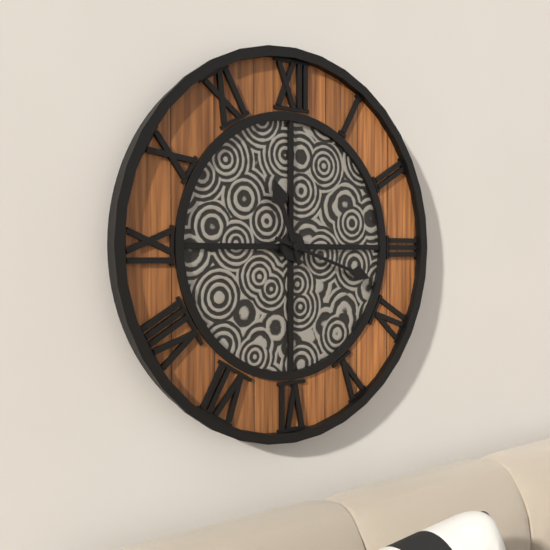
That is 11.18
